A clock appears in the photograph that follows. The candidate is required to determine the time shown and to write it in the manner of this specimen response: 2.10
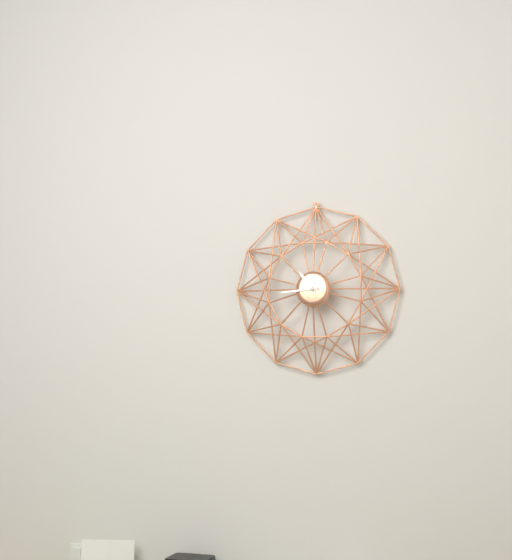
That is 10.44
